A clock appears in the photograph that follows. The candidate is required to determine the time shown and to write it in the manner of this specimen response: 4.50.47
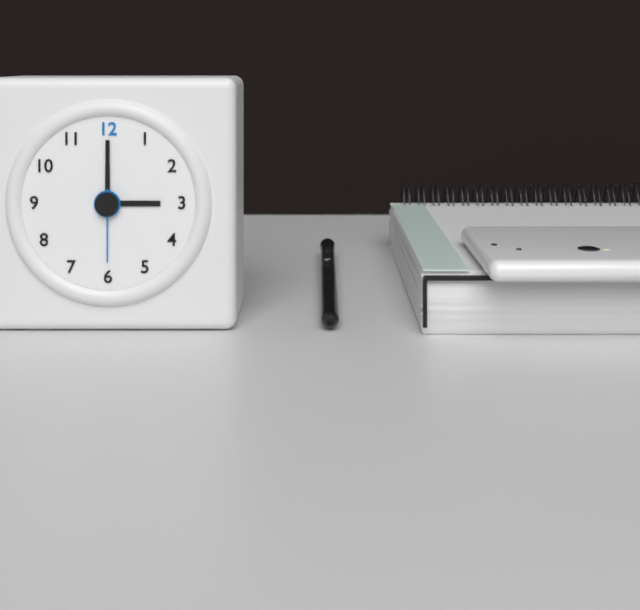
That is 3.00.30
